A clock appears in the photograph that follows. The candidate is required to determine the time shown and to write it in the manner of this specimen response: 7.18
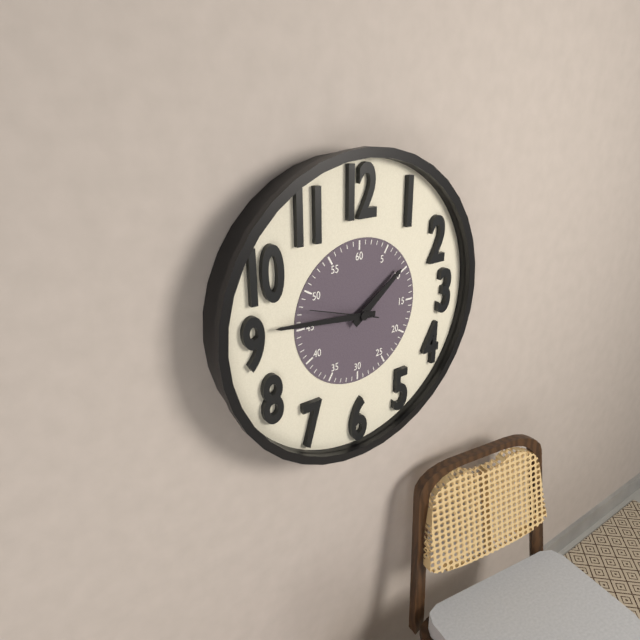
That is 1.46
